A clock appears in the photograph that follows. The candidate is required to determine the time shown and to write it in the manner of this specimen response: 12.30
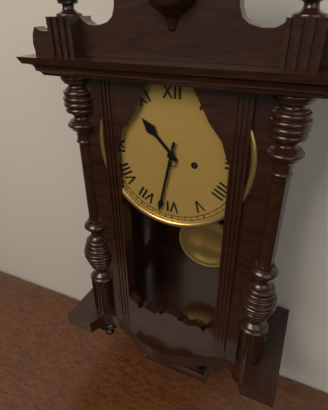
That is 10.32
